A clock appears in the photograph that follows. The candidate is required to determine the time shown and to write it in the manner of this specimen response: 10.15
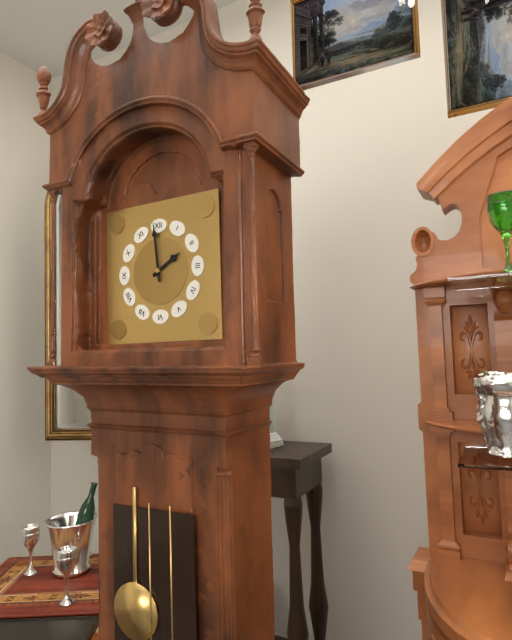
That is 1.59
